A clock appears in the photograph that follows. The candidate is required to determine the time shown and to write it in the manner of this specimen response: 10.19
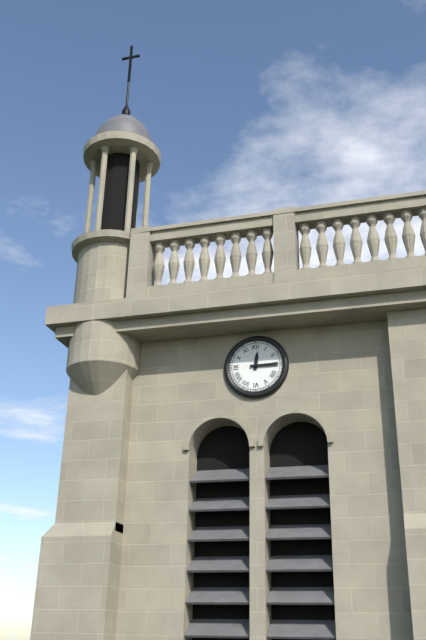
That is 12.15
